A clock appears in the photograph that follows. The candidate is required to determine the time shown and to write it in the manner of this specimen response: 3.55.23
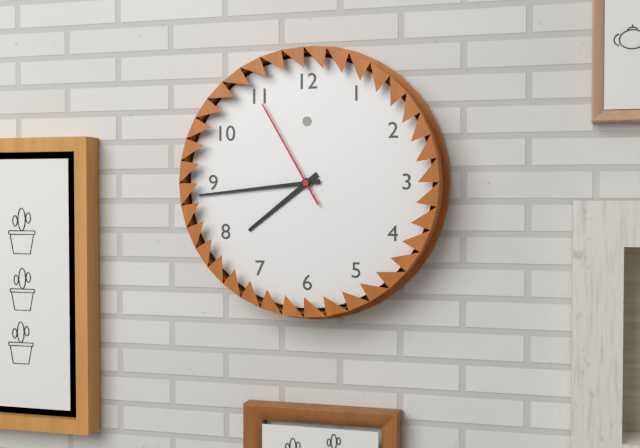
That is 7.44.55
